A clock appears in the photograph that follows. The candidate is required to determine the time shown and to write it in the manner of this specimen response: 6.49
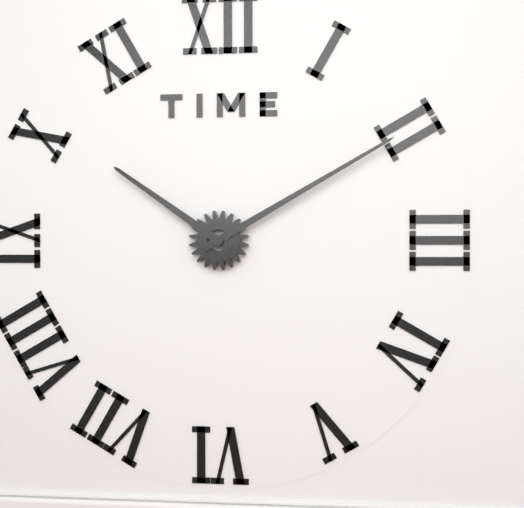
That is 10.10
